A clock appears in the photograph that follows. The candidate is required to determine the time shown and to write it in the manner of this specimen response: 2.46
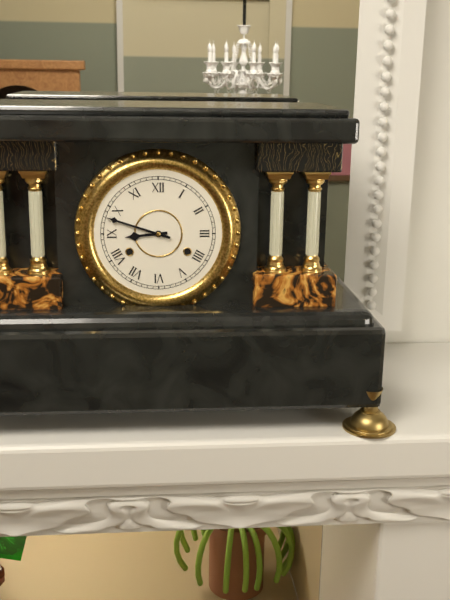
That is 8.48
